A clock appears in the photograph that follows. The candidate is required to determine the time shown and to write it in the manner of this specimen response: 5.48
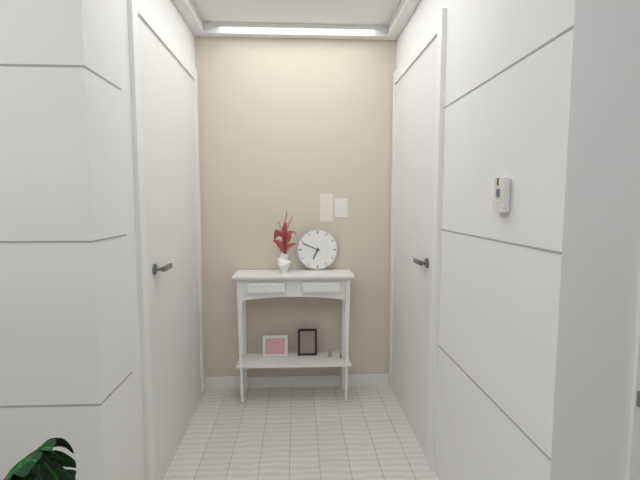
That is 6.49
